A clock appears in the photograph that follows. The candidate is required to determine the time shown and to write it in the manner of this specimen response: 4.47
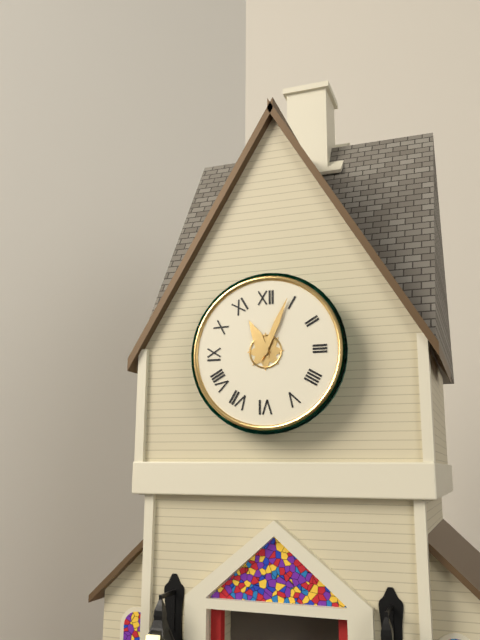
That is 11.04
